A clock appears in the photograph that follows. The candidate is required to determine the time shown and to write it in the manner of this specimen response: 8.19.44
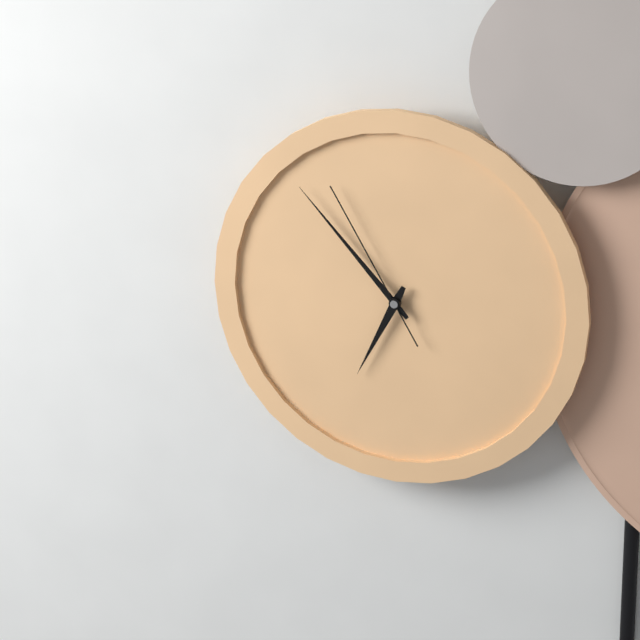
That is 6.53.55
